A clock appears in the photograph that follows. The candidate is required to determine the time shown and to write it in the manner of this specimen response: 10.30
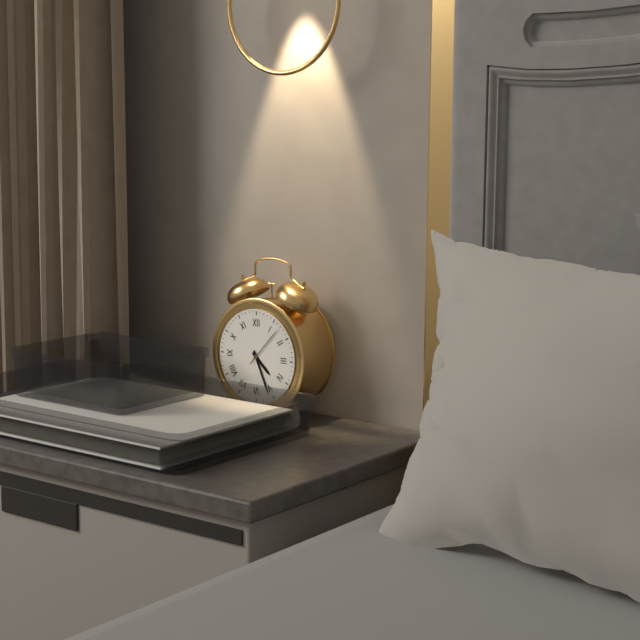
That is 4.26
